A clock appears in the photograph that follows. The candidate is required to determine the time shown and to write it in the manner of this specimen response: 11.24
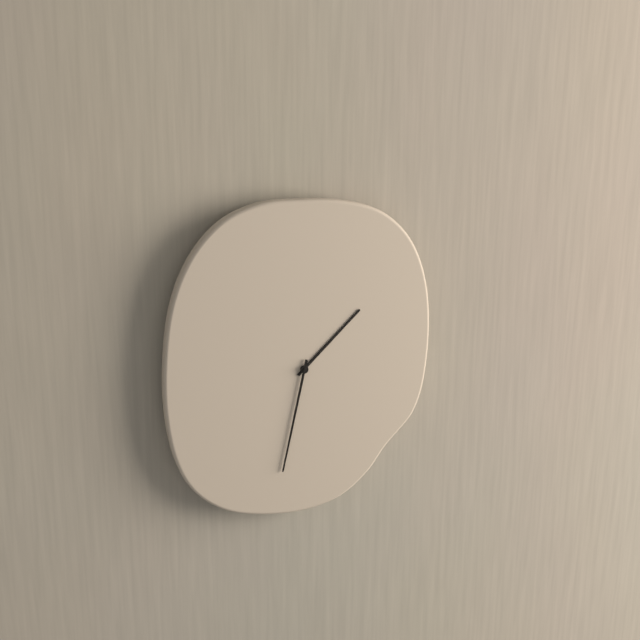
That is 1.32
